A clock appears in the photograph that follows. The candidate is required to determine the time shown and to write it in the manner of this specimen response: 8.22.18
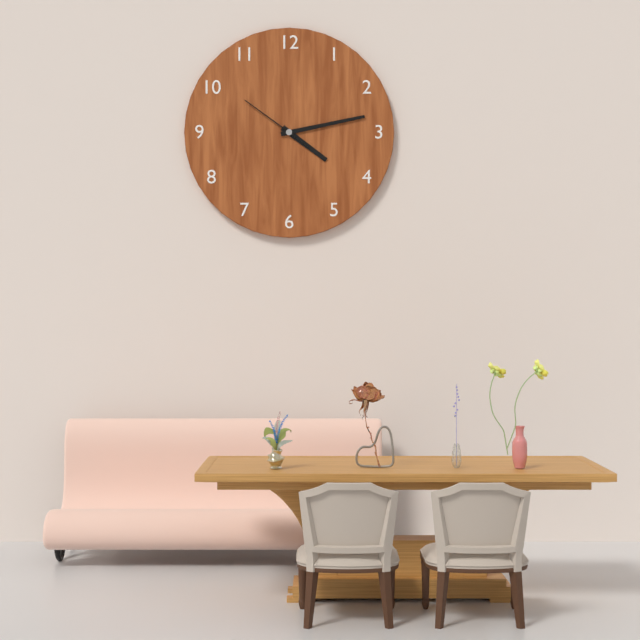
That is 4.13.51
